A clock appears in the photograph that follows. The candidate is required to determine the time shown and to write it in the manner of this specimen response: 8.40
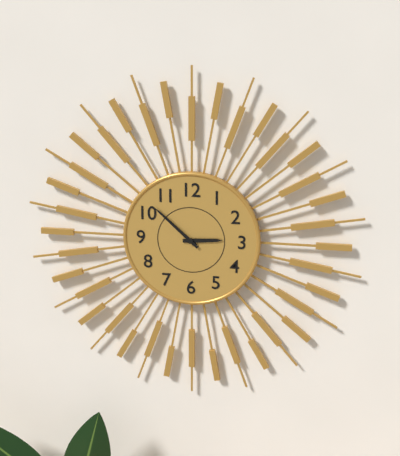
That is 2.52
